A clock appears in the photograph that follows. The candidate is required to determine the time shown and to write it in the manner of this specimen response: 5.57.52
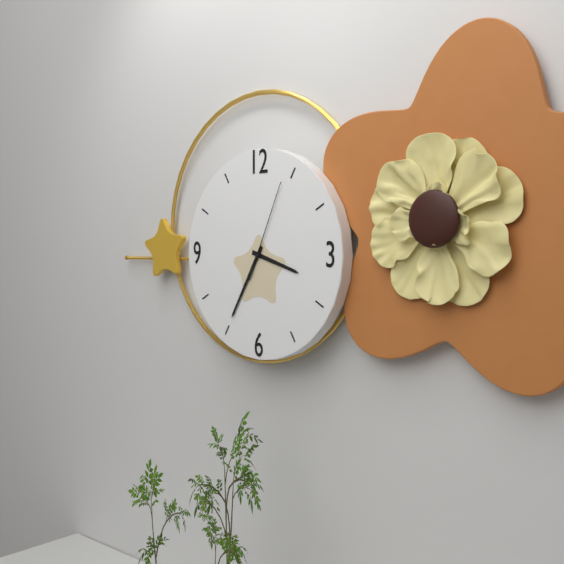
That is 3.35.04
